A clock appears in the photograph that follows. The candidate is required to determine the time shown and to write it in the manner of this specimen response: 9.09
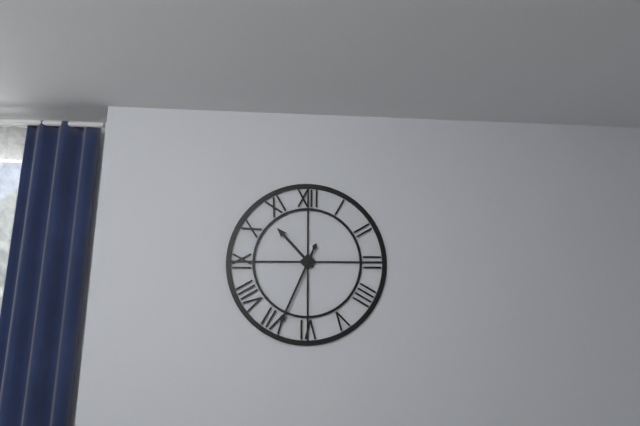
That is 10.34
